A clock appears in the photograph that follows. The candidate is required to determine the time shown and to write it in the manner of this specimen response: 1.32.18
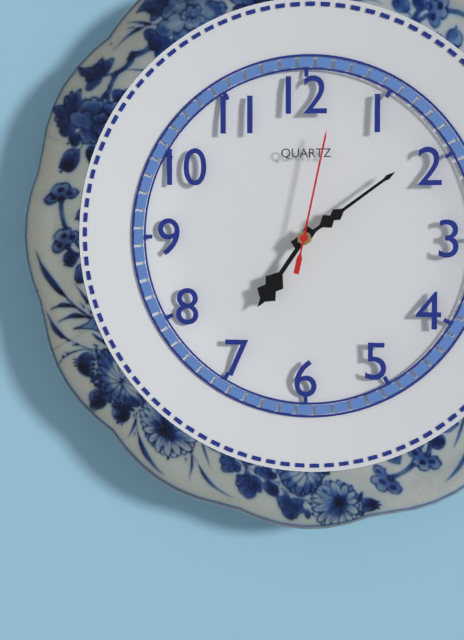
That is 7.09.02
